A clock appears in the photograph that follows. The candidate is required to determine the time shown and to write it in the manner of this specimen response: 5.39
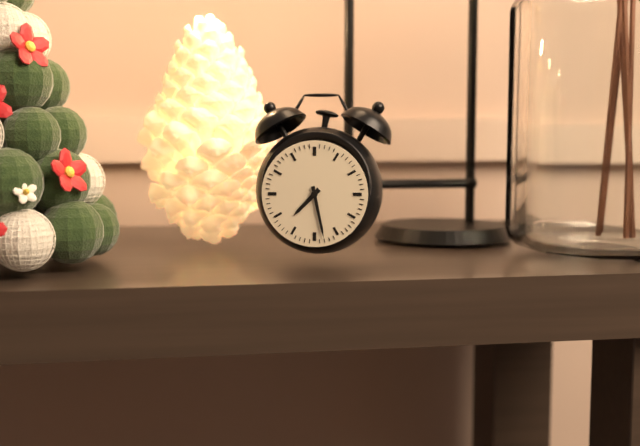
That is 7.28
